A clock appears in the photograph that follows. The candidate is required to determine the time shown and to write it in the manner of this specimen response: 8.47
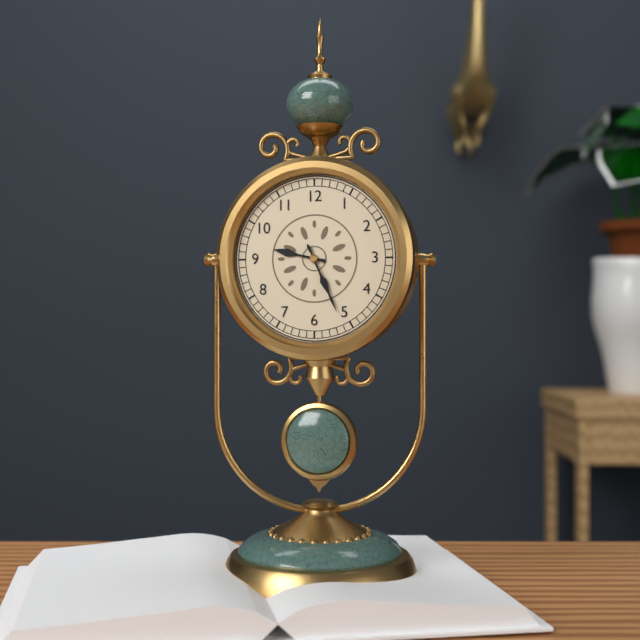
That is 9.26
